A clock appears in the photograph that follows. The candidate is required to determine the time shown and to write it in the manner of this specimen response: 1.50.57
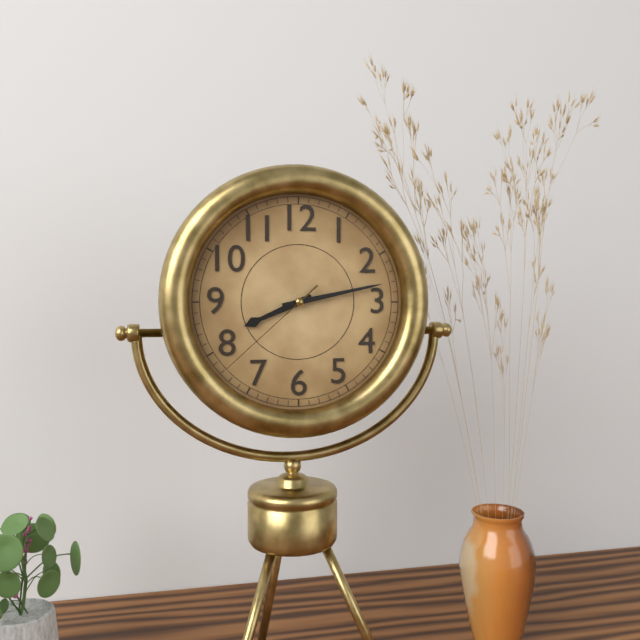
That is 8.13.38
